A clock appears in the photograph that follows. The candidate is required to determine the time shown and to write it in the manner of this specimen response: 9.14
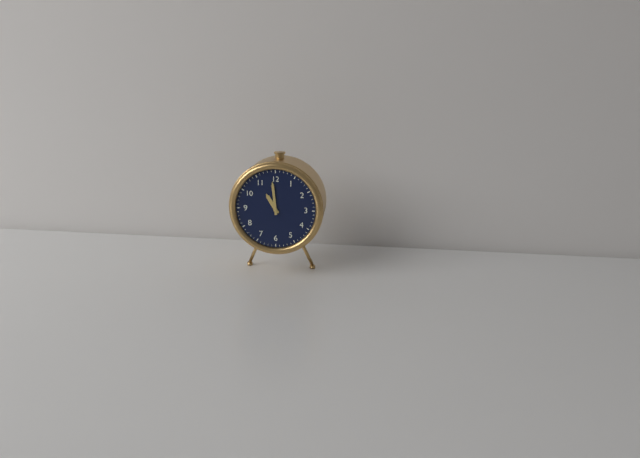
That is 10.59
